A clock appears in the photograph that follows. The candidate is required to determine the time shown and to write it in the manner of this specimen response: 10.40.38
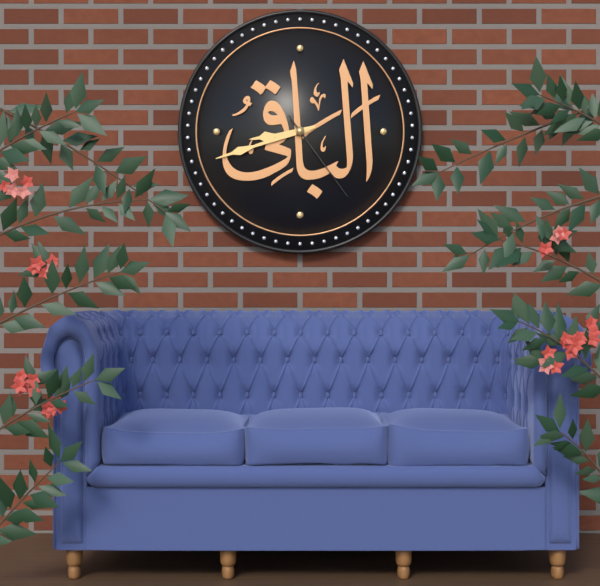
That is 8.42.24
